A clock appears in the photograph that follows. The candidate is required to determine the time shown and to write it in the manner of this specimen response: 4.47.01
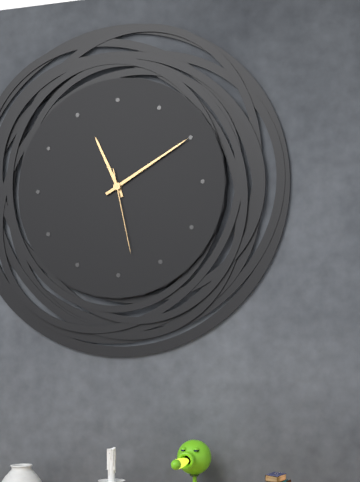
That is 11.10.28
